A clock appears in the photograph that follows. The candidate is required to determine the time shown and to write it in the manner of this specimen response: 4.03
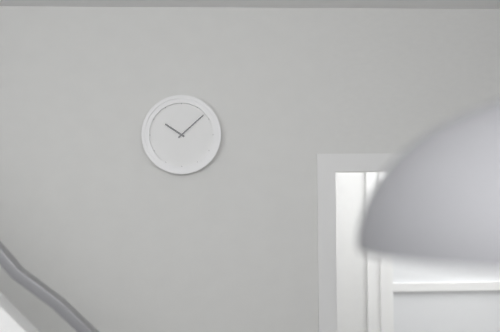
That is 10.08
